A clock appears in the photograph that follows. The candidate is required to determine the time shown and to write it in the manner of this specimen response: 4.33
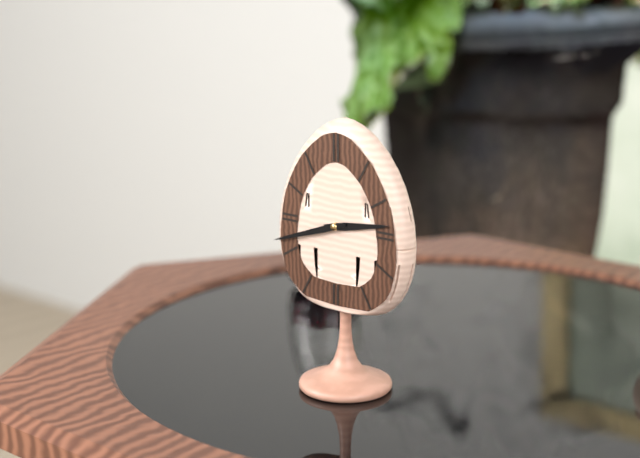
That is 2.42
